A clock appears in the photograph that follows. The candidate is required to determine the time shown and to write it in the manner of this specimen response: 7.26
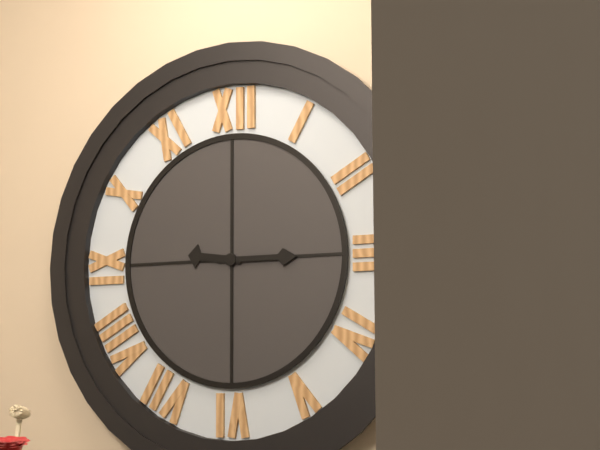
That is 9.15
